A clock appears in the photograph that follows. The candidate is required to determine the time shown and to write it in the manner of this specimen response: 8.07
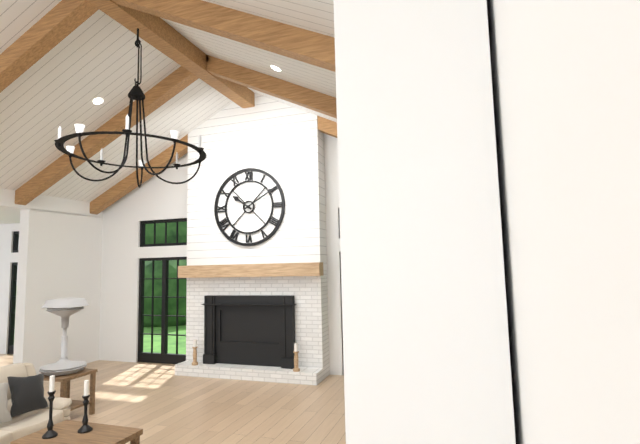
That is 10.10
